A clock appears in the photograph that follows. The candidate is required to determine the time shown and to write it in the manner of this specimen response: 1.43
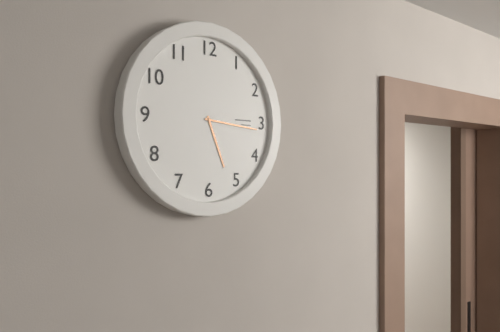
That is 5.16
